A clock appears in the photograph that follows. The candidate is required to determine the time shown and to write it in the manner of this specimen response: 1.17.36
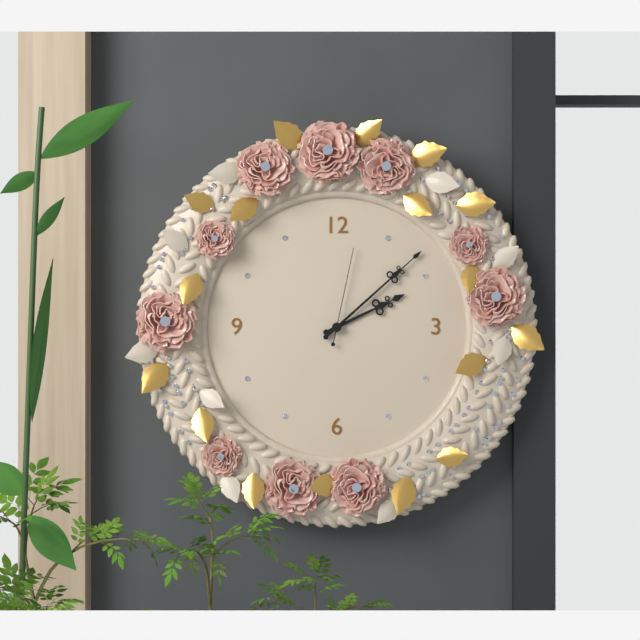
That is 2.08.02
